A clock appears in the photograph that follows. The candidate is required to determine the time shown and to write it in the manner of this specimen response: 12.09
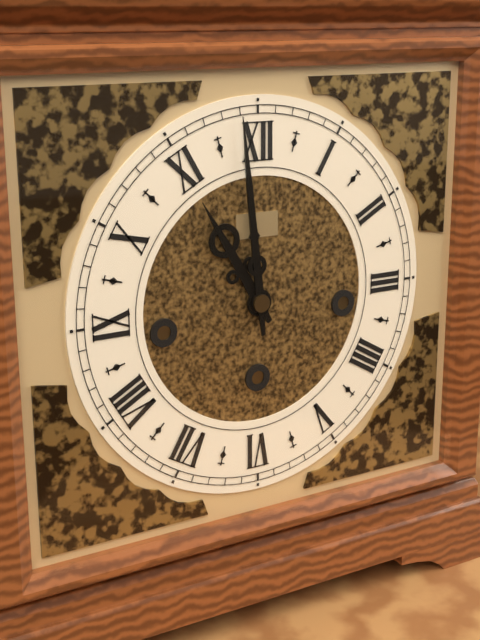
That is 10.59
